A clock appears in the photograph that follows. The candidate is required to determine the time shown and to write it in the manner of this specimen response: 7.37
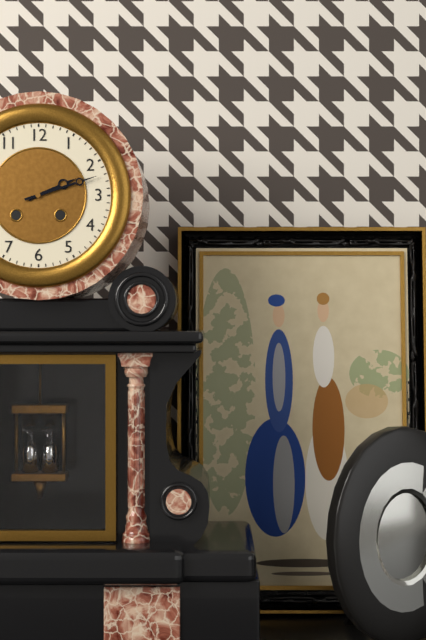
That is 2.12
